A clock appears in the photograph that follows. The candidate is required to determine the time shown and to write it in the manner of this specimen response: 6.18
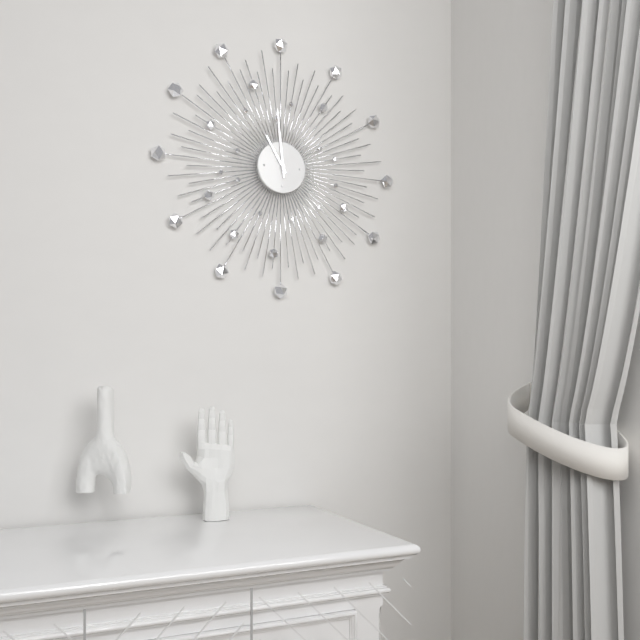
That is 10.59
